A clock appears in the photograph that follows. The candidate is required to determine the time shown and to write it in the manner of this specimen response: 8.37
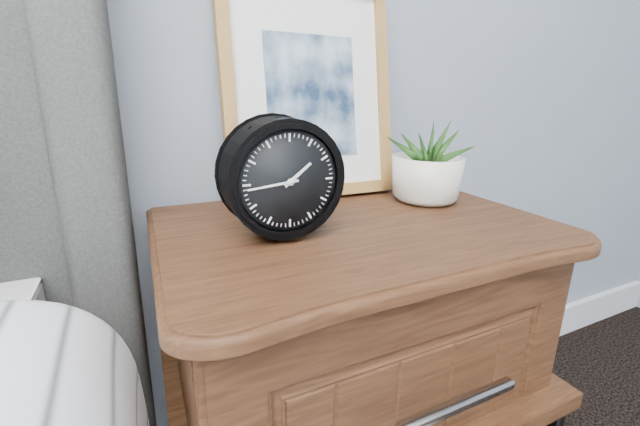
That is 1.44
